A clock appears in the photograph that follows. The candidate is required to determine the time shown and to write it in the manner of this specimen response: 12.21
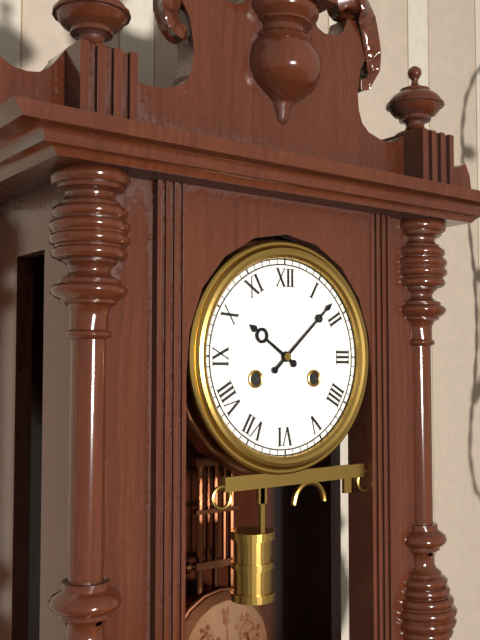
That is 10.08
